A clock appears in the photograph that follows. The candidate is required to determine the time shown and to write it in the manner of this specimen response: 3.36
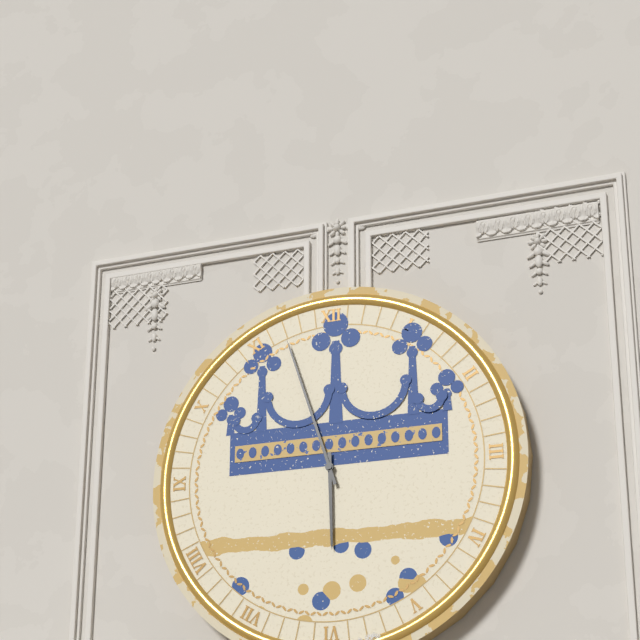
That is 5.57
